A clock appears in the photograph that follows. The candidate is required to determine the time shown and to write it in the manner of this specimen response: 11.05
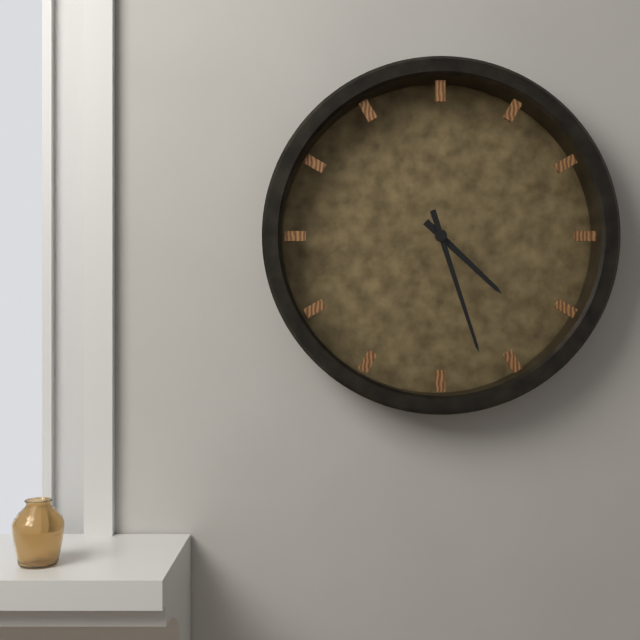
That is 4.27
